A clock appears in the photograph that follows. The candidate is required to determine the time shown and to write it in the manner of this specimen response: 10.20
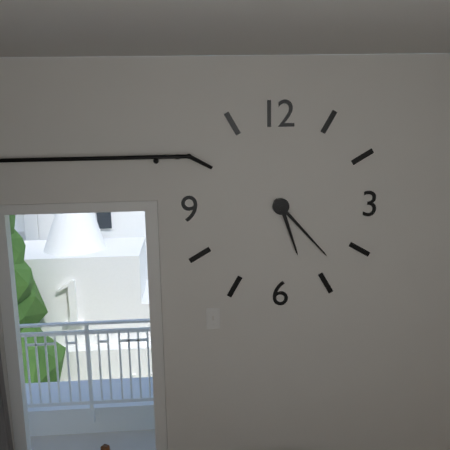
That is 5.23
